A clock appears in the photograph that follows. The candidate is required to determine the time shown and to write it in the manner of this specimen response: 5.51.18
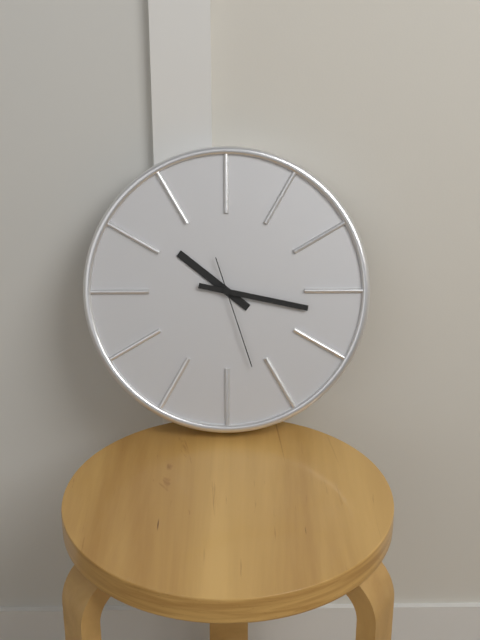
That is 10.17.27
